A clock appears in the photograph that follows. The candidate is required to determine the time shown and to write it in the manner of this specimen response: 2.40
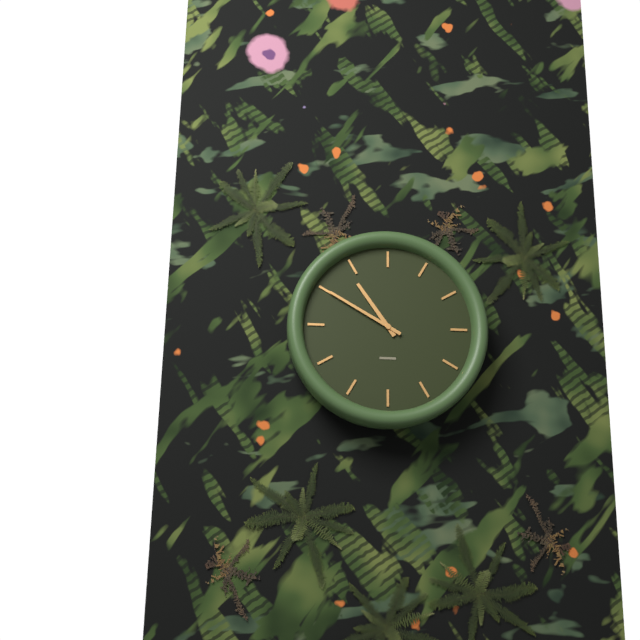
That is 10.50
